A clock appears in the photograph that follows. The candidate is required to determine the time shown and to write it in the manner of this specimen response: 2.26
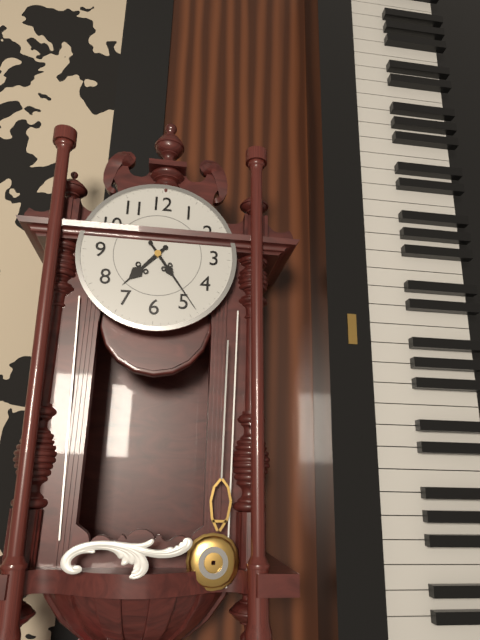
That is 7.24
